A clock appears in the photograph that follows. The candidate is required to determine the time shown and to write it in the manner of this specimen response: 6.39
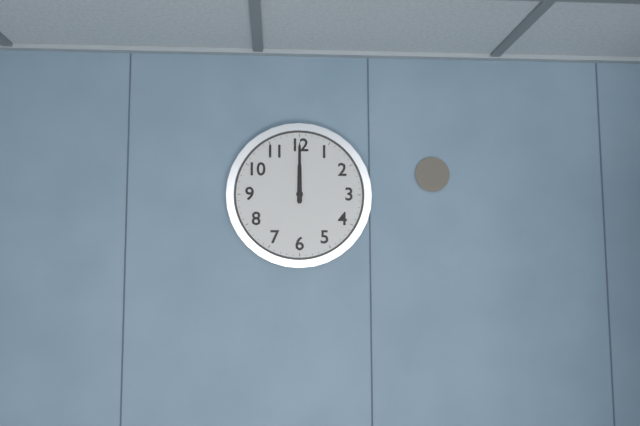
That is 12.00
